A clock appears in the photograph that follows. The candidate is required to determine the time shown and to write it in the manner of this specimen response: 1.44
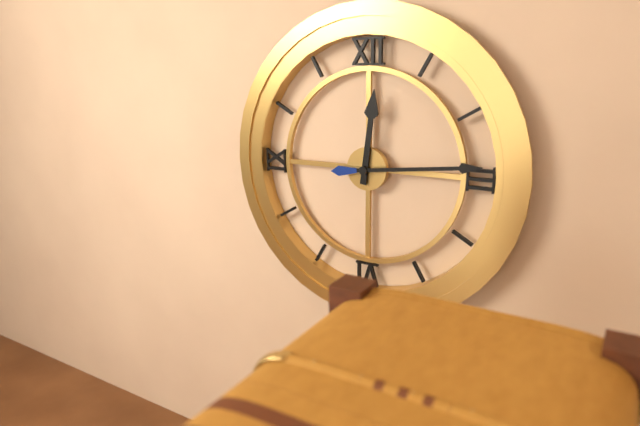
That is 12.14
